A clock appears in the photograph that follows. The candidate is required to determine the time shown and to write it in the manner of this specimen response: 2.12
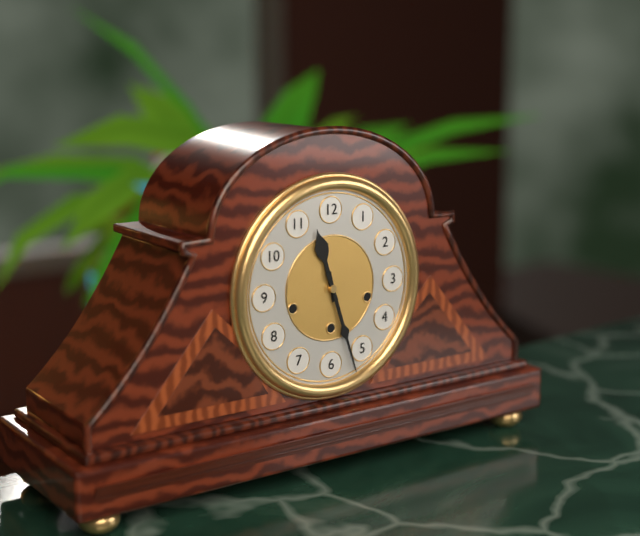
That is 11.27
